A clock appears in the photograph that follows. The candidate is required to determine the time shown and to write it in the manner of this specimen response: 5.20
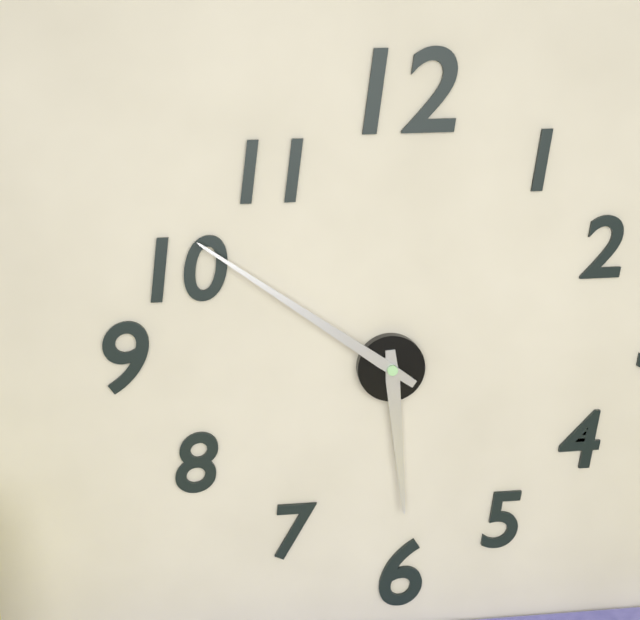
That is 5.51
